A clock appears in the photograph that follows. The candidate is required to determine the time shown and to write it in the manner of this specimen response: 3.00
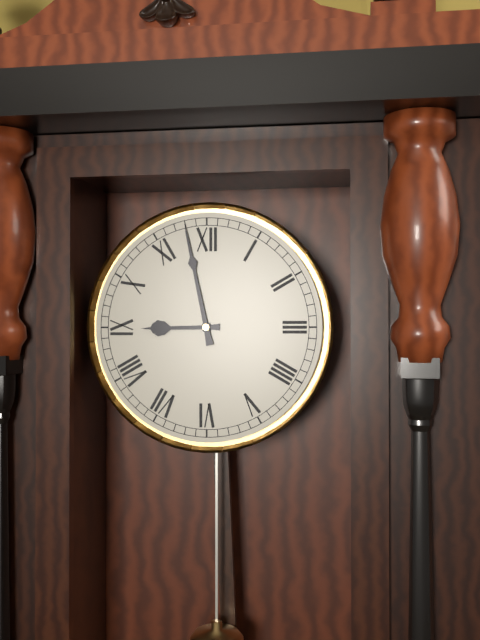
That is 8.58
